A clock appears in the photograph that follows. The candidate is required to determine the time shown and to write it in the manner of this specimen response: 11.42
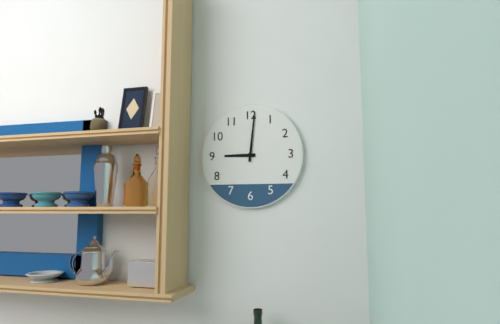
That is 9.01
